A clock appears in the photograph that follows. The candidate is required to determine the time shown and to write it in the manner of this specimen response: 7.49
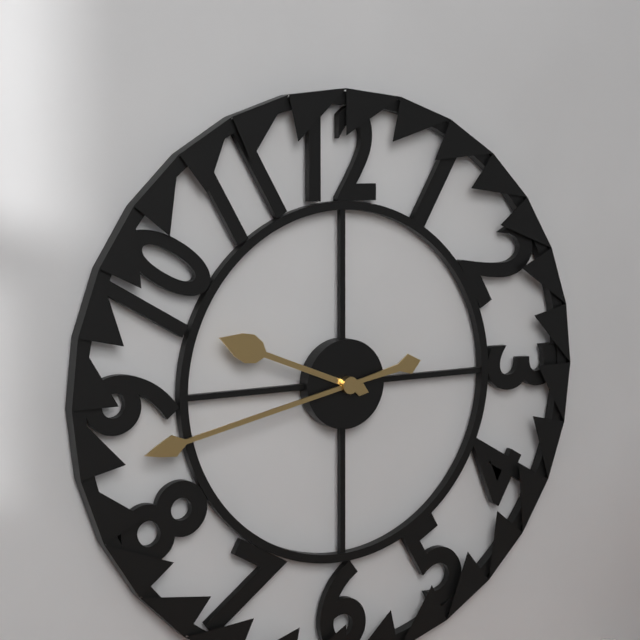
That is 9.43
